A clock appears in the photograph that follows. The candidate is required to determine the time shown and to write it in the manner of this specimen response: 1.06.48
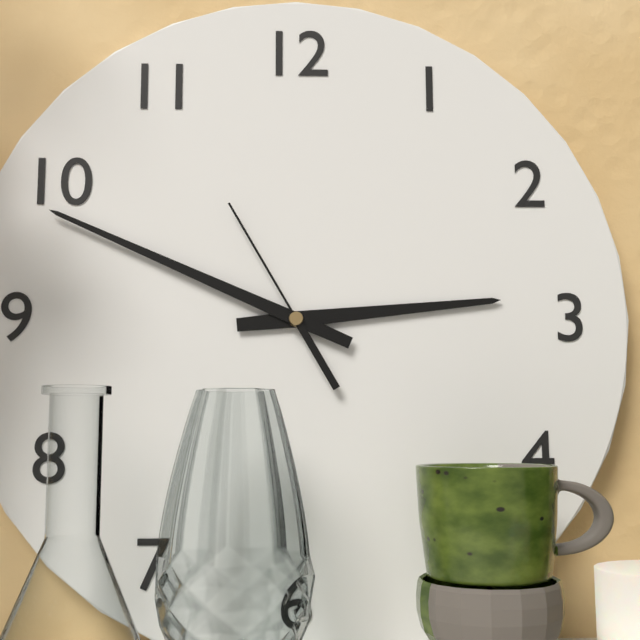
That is 2.49.55
